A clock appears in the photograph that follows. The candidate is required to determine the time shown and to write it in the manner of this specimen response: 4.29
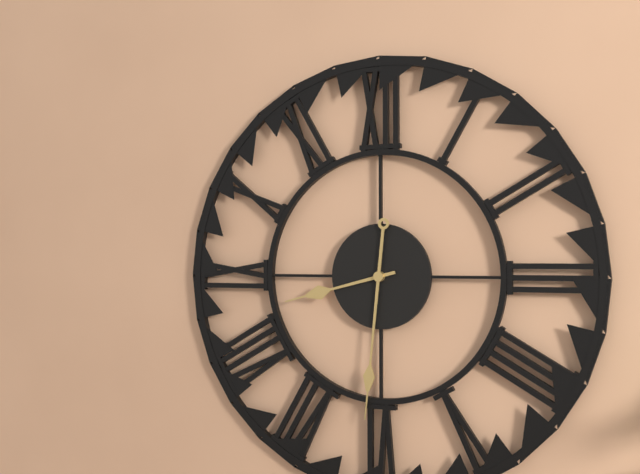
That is 8.31
